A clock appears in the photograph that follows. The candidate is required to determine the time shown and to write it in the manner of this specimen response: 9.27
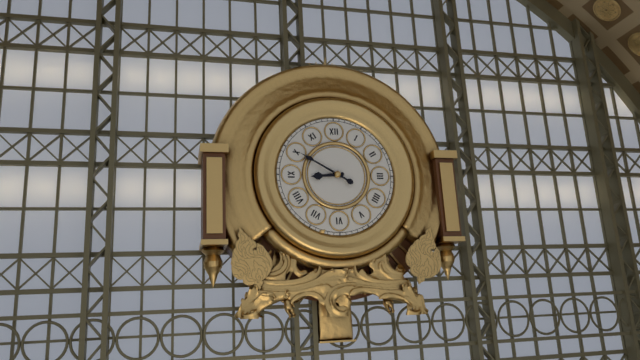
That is 8.50
